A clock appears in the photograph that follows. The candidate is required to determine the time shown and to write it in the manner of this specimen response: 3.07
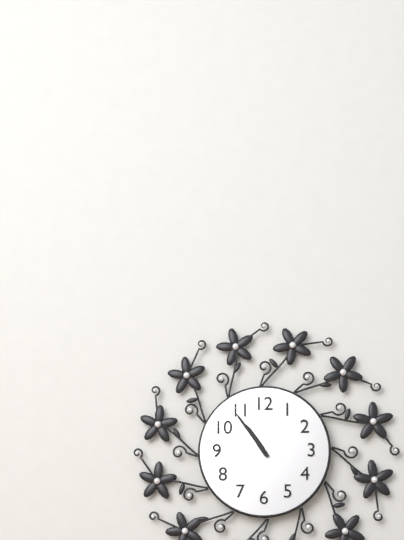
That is 10.54
